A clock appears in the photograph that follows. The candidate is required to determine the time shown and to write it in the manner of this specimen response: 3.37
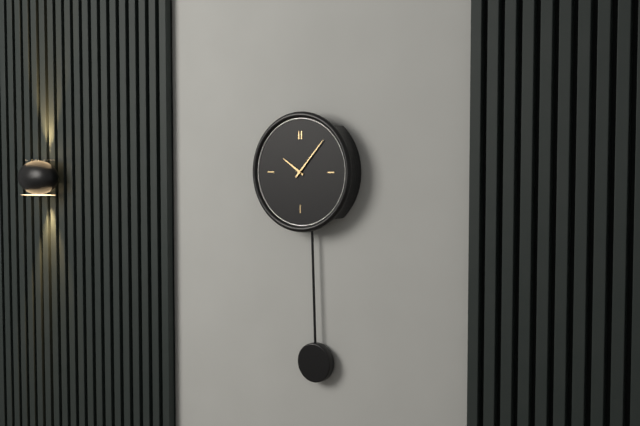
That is 10.07
